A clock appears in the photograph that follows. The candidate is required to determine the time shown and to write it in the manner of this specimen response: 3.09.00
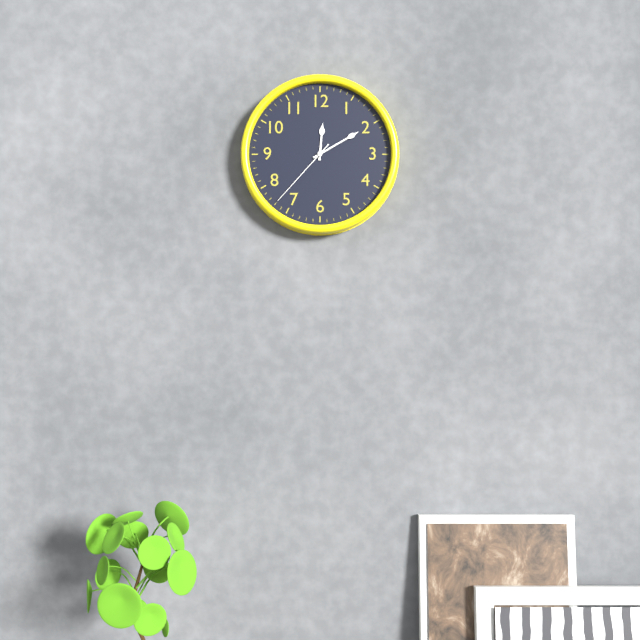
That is 12.10.37
